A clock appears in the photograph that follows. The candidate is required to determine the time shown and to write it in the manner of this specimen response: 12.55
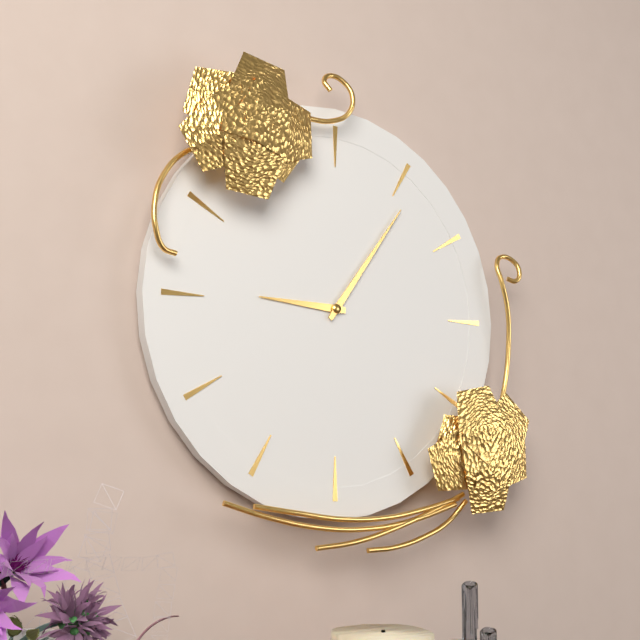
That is 9.06
